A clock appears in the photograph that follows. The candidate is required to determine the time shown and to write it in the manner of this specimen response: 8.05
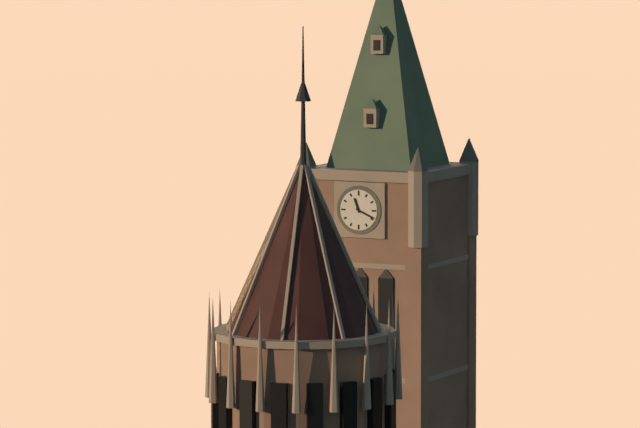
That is 11.19
